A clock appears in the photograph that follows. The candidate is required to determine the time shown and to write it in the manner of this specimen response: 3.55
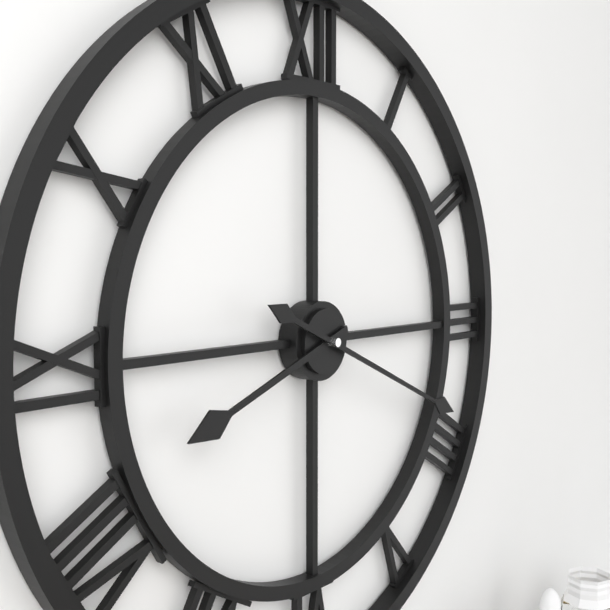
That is 8.19
